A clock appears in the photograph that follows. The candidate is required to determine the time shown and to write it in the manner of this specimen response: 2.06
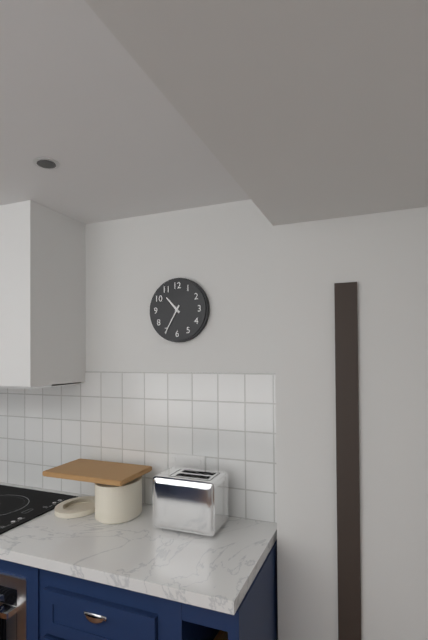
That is 10.35
